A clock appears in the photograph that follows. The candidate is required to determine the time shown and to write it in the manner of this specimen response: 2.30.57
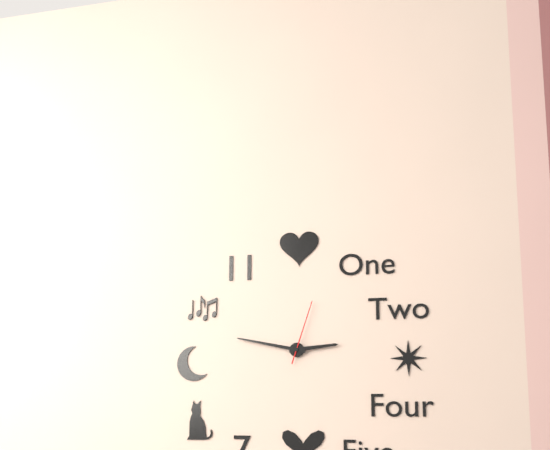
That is 2.47.03
